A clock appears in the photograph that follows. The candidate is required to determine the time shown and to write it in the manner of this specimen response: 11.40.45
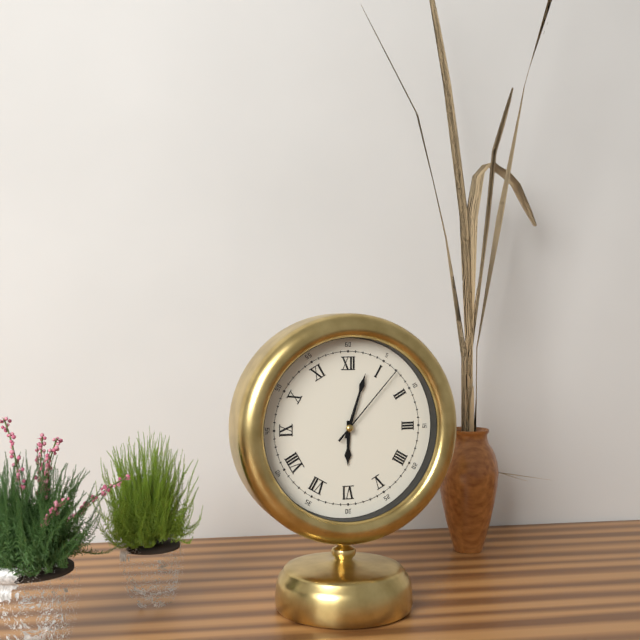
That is 6.03.07
